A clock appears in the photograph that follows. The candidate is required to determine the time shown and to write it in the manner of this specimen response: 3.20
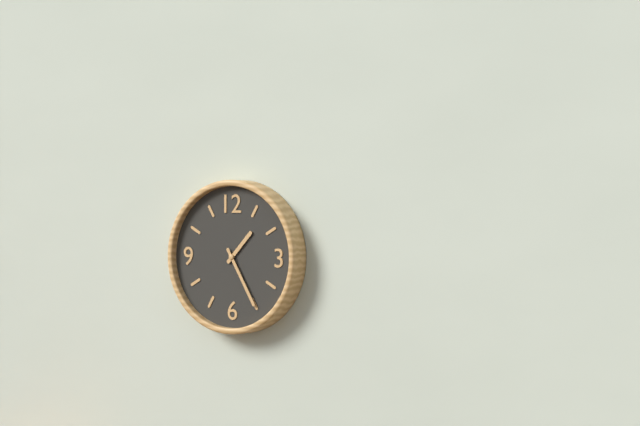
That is 1.25
